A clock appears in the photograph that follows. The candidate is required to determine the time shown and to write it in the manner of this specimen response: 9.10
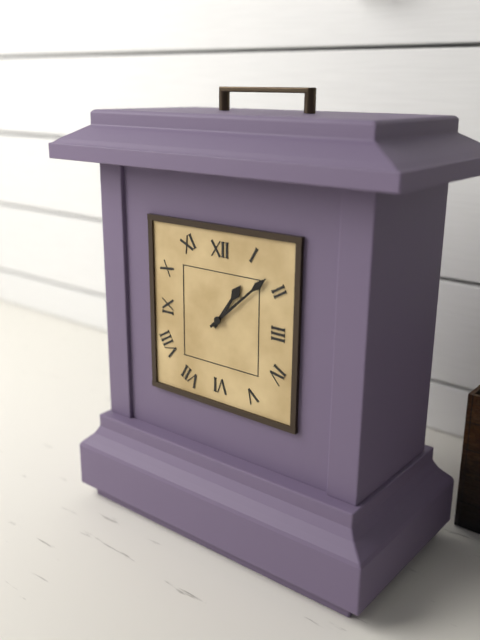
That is 1.08
